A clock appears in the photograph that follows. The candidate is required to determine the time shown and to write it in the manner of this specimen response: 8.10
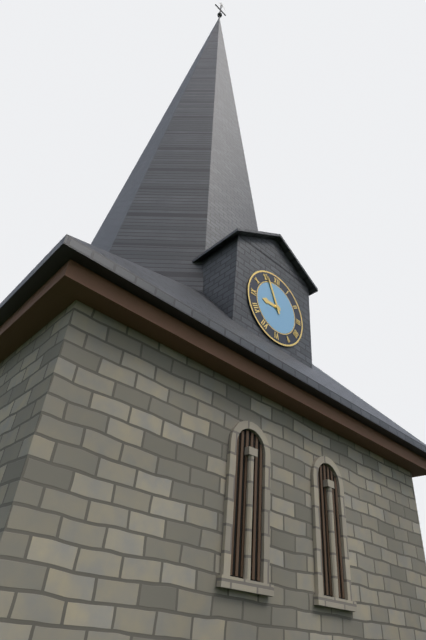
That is 8.56
